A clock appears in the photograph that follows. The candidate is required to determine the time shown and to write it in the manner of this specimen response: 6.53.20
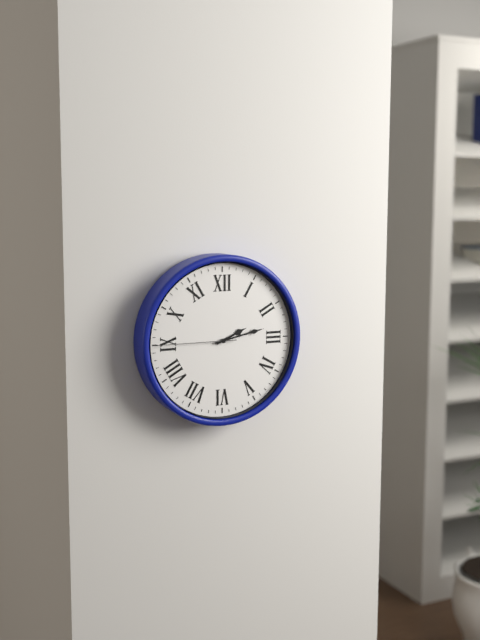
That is 2.13.45
